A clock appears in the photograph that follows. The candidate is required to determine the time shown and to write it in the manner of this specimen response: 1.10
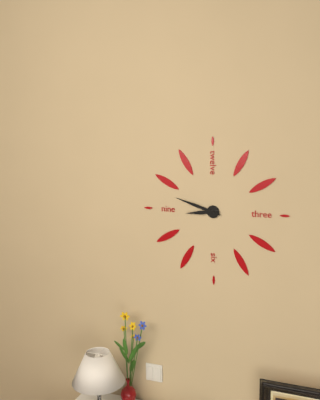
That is 8.48
